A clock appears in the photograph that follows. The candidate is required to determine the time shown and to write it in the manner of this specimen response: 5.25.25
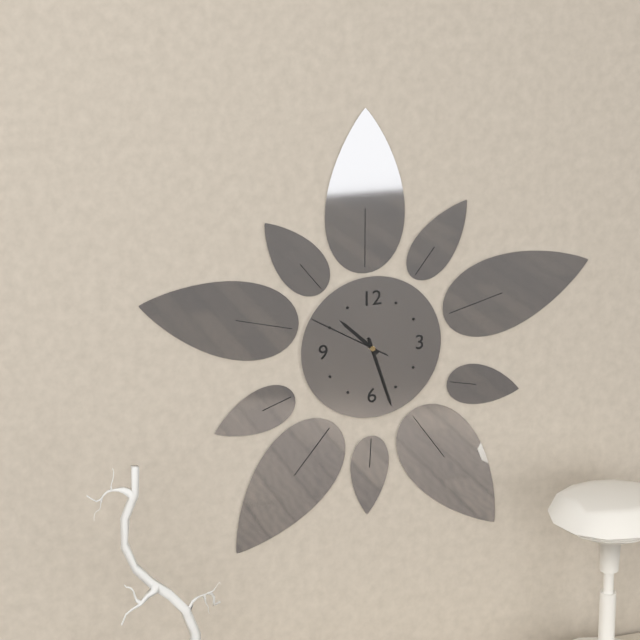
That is 10.27.50
